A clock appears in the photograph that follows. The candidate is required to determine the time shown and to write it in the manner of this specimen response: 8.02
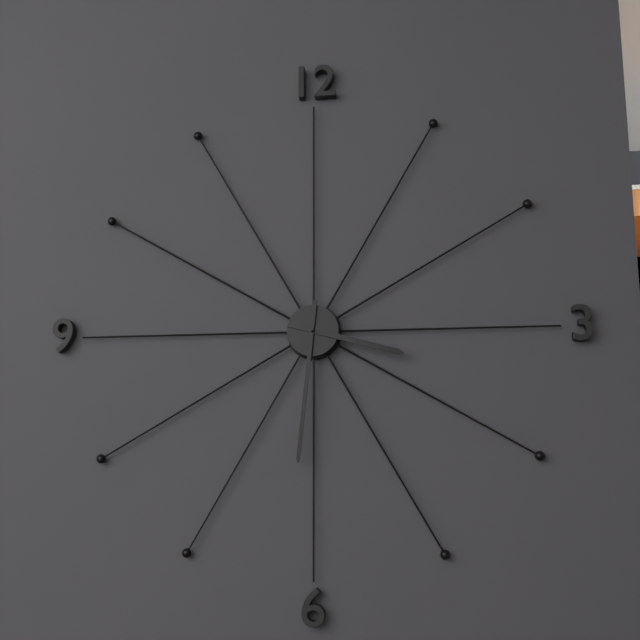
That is 3.31
